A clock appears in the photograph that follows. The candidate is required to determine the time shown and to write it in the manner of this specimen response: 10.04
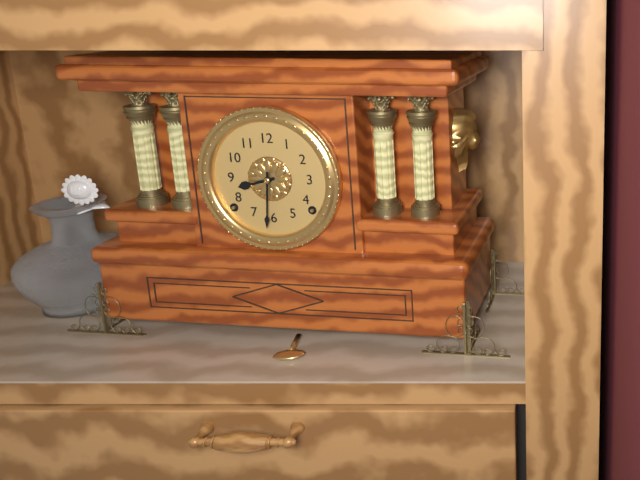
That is 8.31
